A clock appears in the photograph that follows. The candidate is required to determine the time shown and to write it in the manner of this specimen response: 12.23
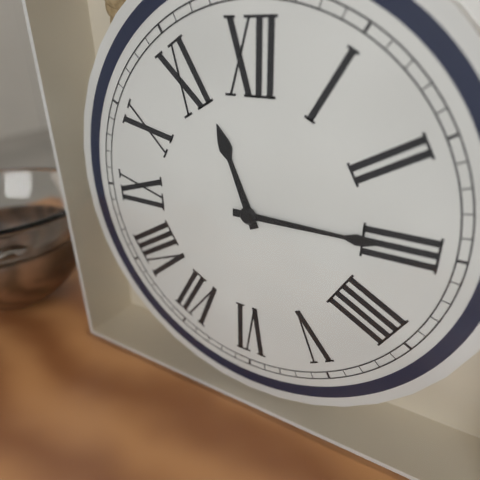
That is 11.15
